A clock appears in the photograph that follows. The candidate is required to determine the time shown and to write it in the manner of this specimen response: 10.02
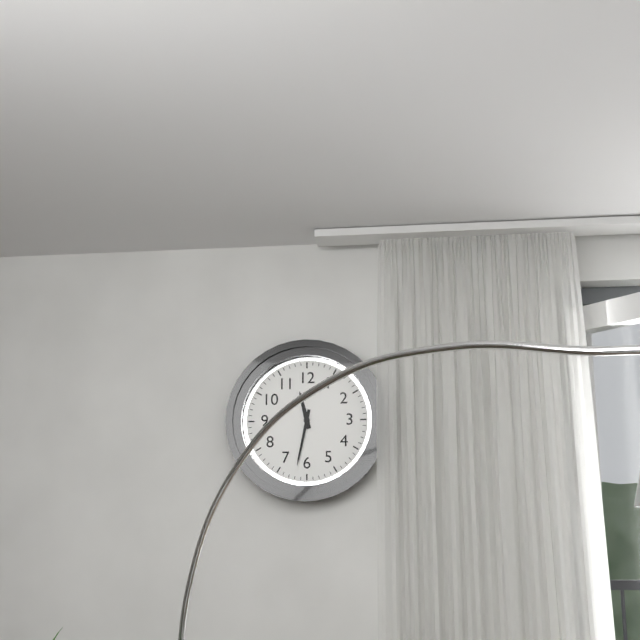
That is 11.32
